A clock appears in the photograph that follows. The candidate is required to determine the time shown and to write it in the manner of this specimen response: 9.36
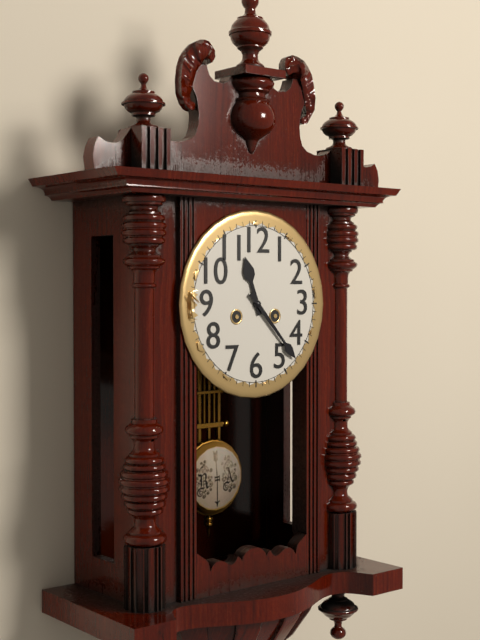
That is 11.23
